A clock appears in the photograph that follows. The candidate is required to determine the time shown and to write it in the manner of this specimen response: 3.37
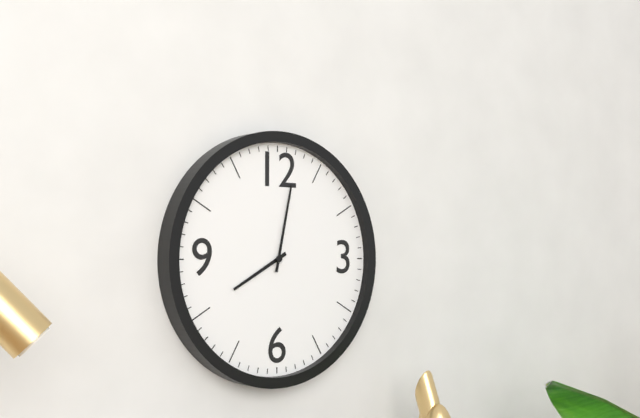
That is 8.02
